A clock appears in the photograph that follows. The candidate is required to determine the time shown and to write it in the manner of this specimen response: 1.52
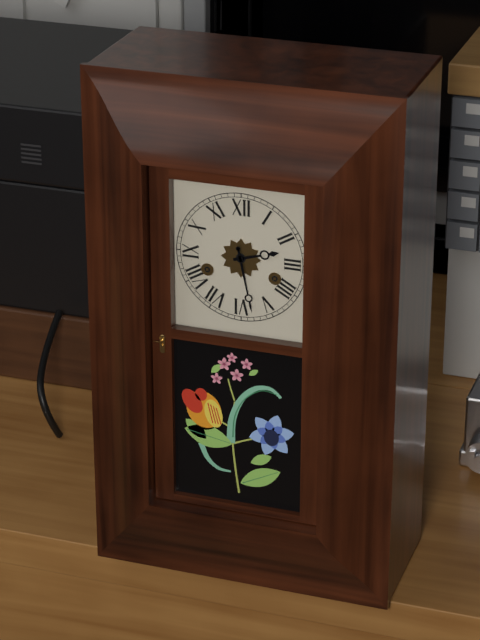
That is 2.28
